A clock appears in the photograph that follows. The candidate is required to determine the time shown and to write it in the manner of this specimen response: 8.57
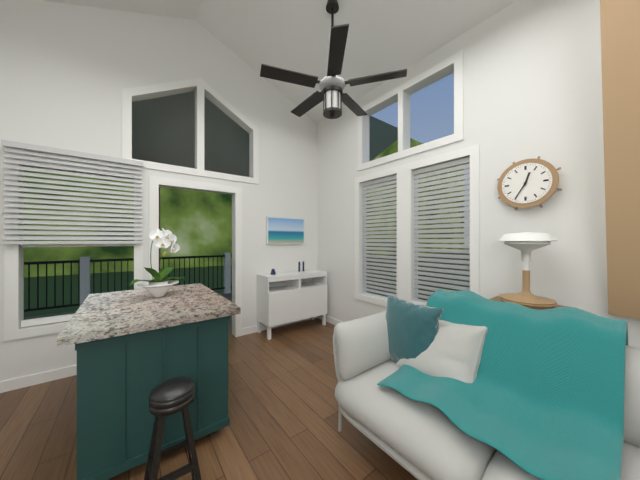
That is 12.35
